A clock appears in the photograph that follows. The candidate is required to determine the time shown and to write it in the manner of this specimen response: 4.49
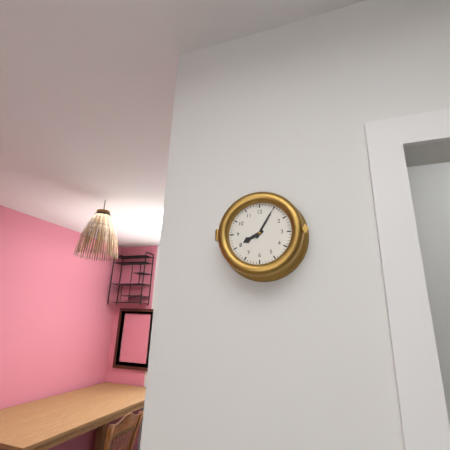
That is 8.05
